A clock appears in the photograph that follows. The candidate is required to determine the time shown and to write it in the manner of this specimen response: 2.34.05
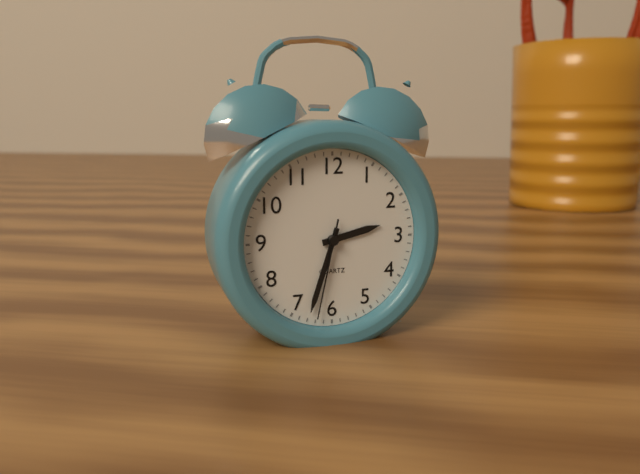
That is 2.33.32
